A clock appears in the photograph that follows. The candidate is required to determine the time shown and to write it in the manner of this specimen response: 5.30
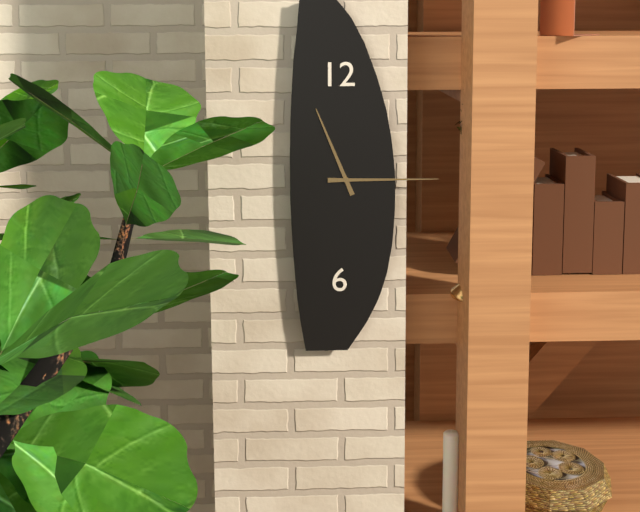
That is 11.15
